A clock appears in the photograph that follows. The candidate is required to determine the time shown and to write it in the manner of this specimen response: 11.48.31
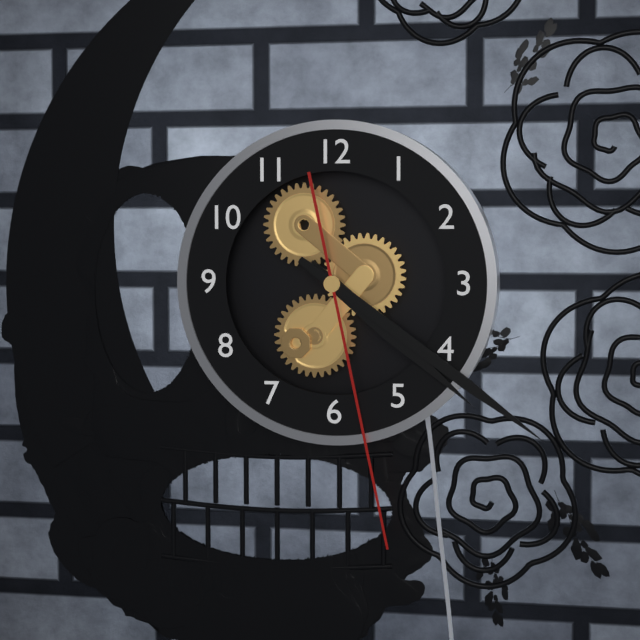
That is 4.21.28
